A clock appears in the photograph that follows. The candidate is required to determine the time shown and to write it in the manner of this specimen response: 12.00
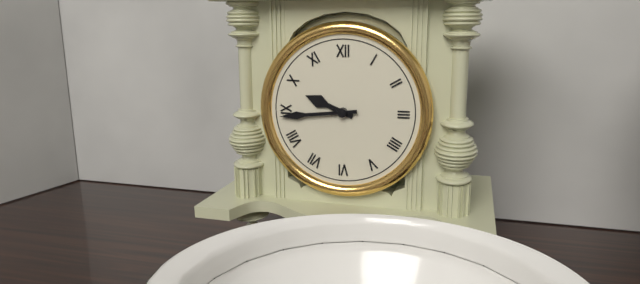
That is 9.44
